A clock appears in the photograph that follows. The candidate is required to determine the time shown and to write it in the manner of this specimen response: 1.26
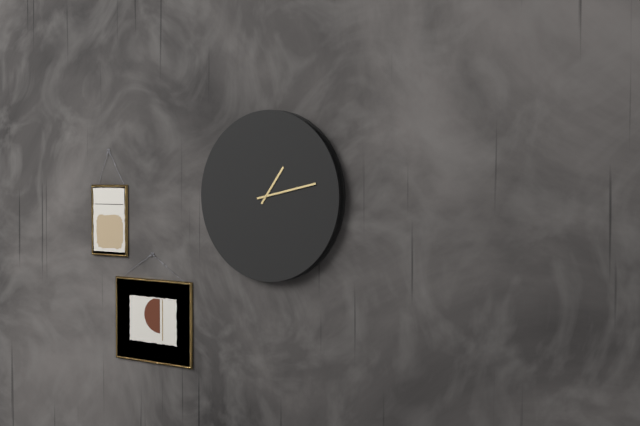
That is 1.13
